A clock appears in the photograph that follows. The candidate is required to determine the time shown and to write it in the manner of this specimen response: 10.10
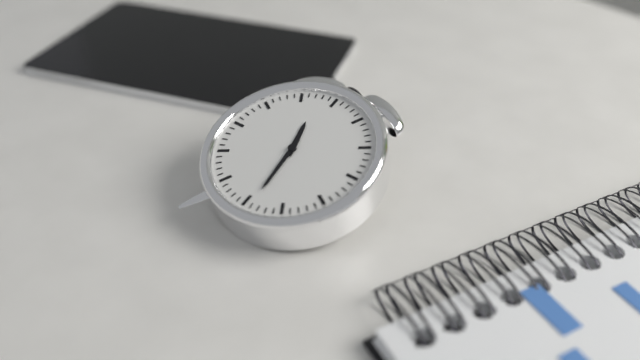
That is 11.29
